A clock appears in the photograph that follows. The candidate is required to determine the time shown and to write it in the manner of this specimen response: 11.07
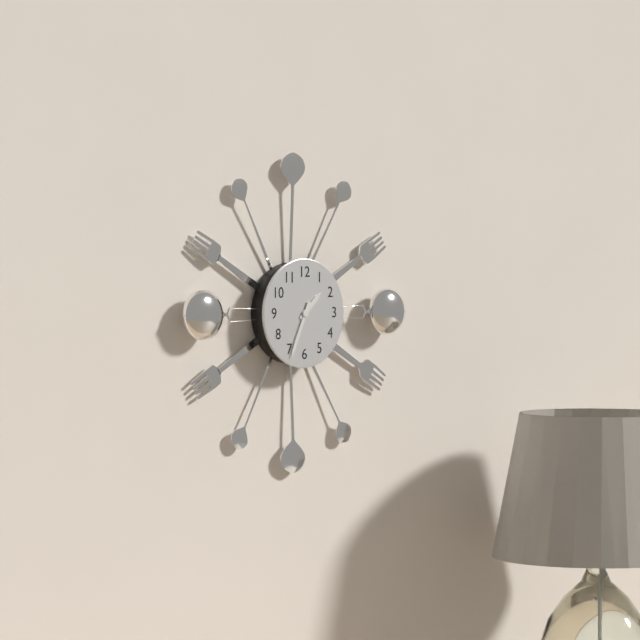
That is 1.34
